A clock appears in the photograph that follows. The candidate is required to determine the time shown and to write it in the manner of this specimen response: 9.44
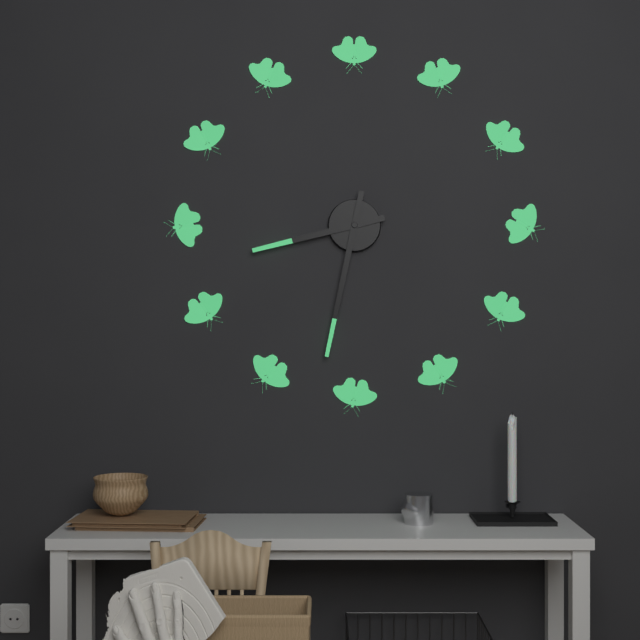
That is 8.32
